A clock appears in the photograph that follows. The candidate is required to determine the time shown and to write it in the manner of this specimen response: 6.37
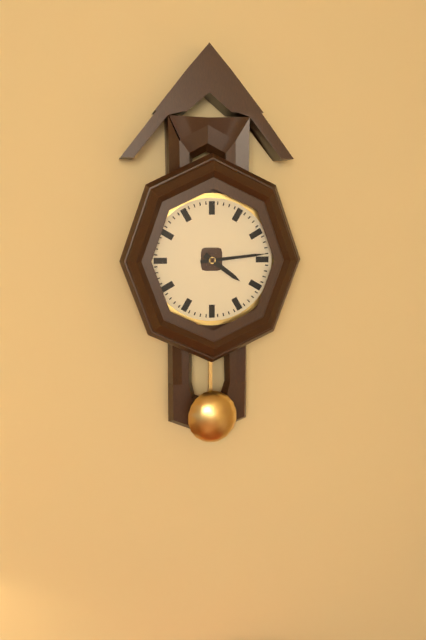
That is 4.14
